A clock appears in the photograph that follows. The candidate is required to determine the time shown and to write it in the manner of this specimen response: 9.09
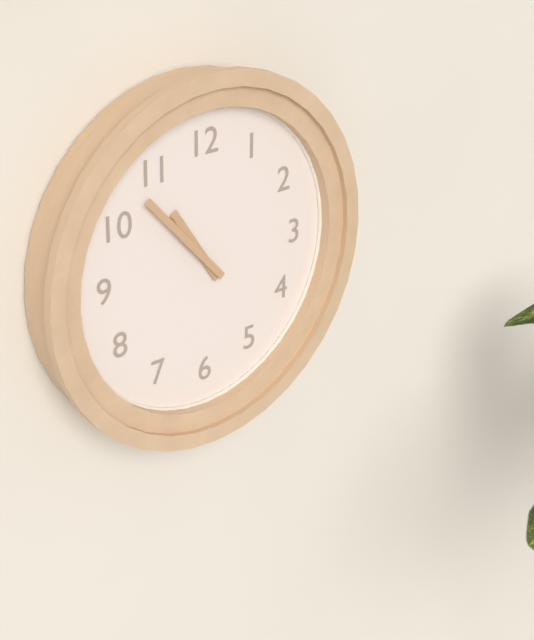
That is 10.53
